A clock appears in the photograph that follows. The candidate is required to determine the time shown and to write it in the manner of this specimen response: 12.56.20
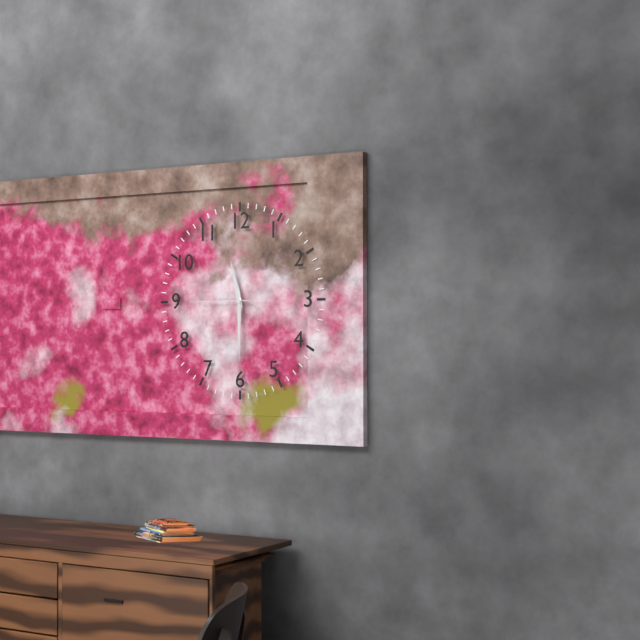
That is 11.30.45
